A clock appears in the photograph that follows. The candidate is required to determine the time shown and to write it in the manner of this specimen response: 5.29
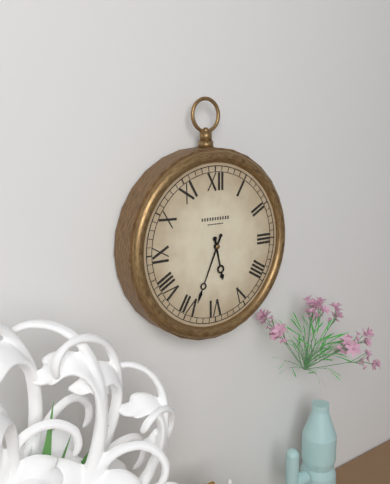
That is 5.34
